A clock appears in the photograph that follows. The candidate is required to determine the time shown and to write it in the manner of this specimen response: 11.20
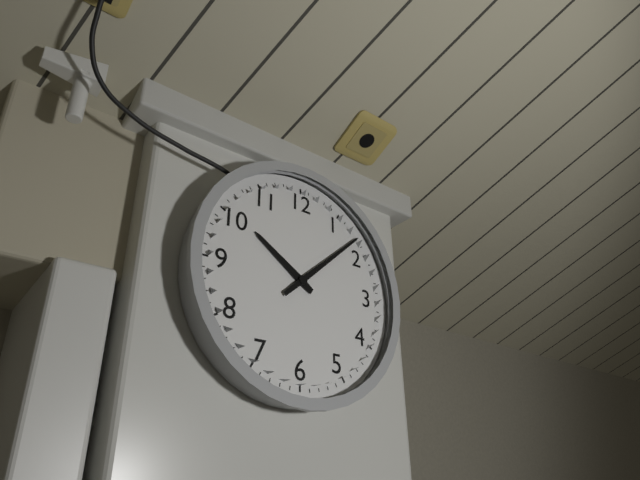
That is 10.08
